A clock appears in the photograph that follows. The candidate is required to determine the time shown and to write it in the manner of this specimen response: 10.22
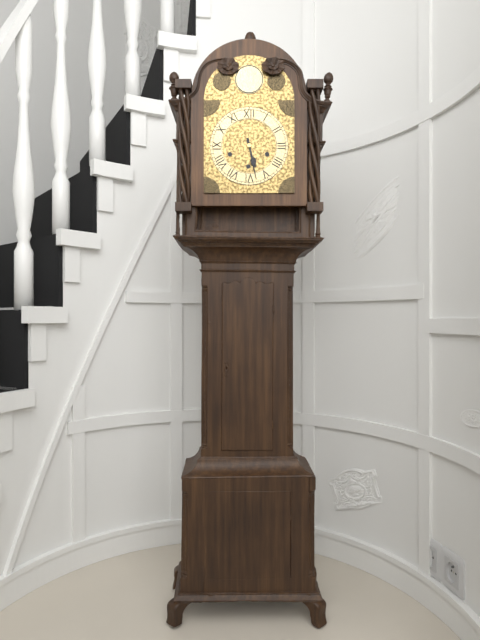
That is 5.28
